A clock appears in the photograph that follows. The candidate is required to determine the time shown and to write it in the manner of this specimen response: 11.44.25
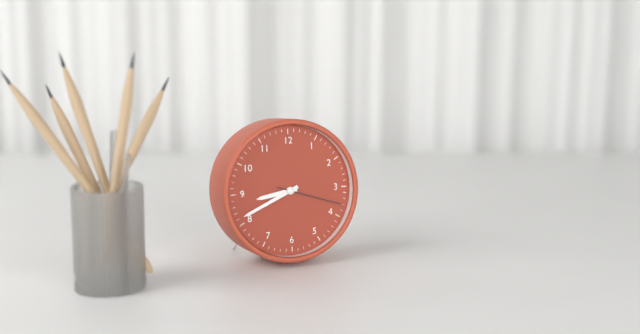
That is 8.41.18
